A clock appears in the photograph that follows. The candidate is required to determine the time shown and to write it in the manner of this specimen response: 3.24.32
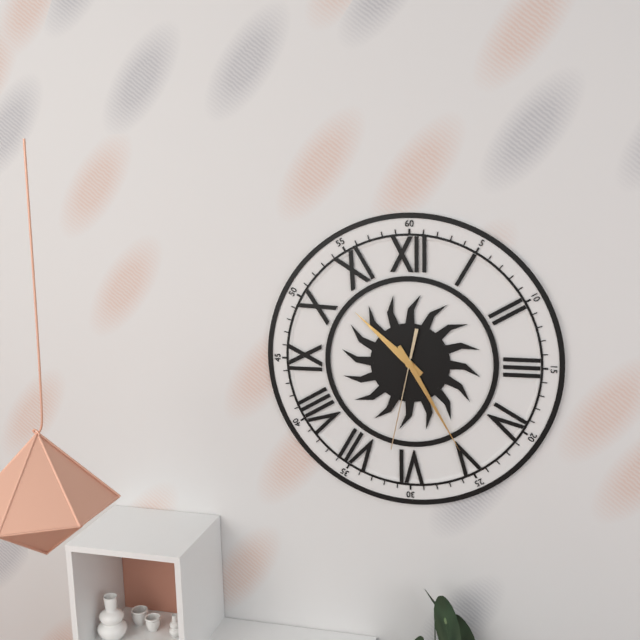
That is 10.25.32
